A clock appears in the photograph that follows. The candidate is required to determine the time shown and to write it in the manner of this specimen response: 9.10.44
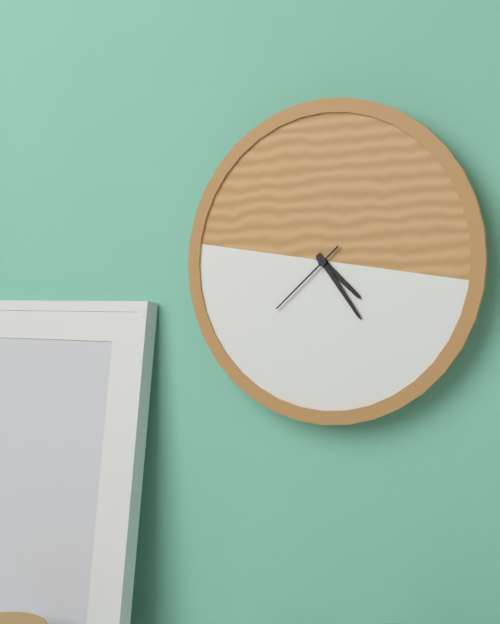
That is 4.24.38
